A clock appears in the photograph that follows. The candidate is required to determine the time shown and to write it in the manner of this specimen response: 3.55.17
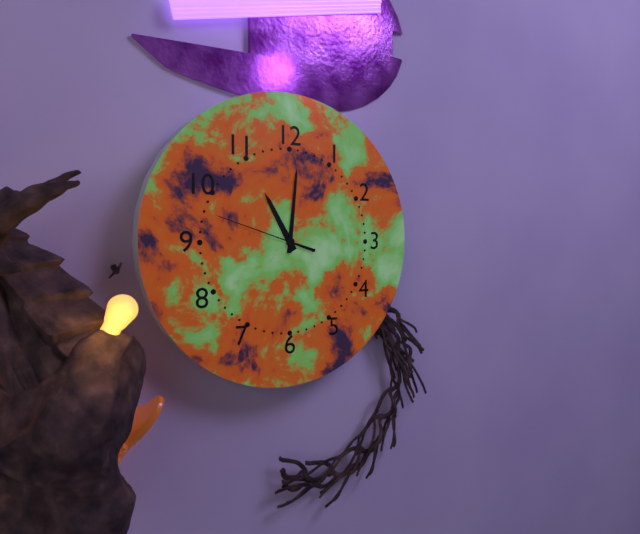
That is 11.01.48
